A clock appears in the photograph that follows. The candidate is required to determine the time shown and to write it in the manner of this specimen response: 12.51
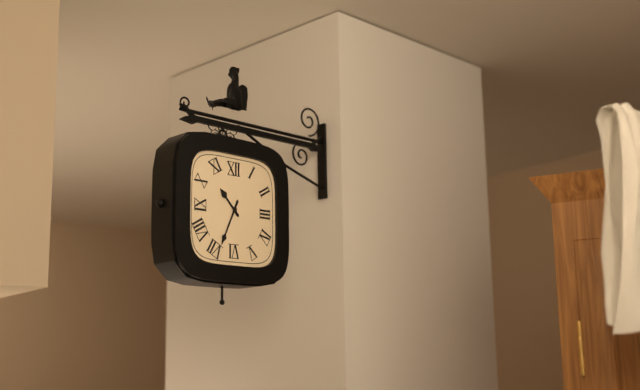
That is 10.34
